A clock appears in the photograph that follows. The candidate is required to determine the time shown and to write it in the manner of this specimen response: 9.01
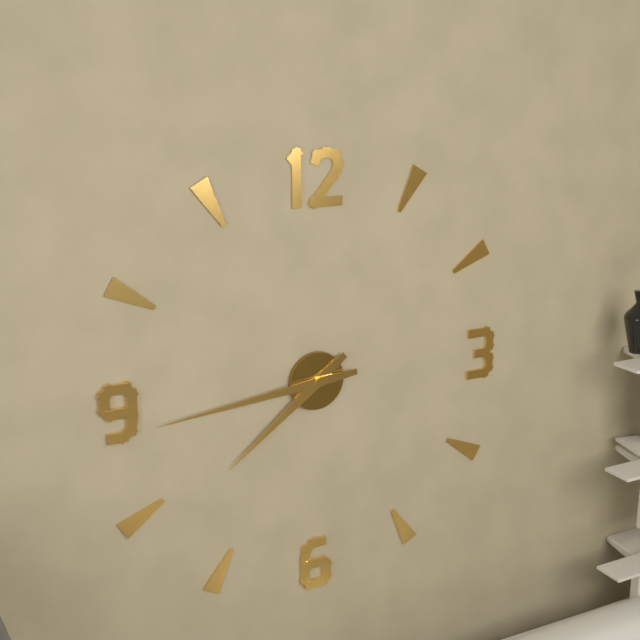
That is 7.44
